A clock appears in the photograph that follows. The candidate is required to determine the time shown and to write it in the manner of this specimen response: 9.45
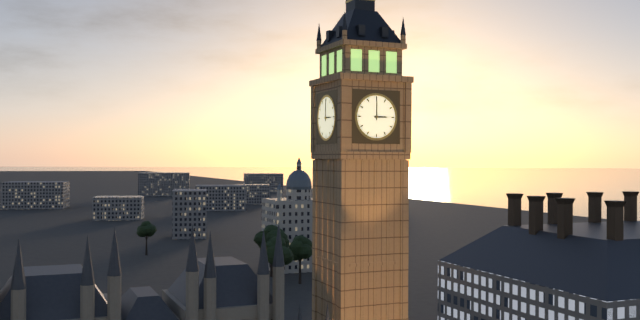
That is 3.00
